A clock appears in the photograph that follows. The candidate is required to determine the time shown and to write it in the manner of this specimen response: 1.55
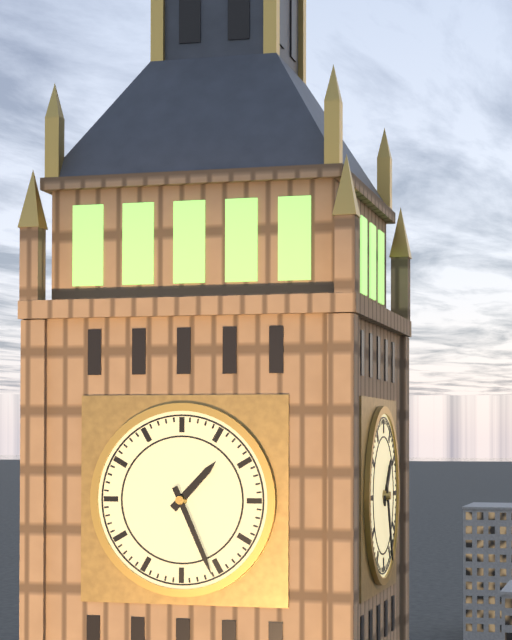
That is 1.26
